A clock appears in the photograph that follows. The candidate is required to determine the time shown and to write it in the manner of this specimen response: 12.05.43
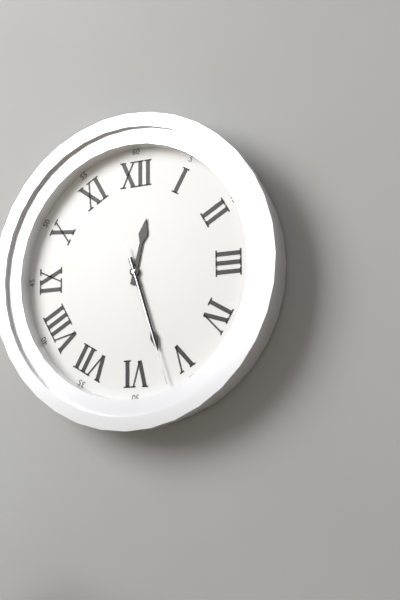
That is 12.27.27
